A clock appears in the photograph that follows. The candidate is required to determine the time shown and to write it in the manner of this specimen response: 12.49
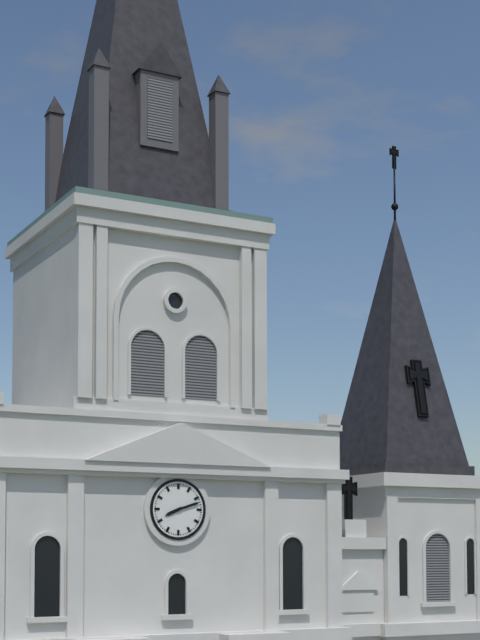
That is 8.12
